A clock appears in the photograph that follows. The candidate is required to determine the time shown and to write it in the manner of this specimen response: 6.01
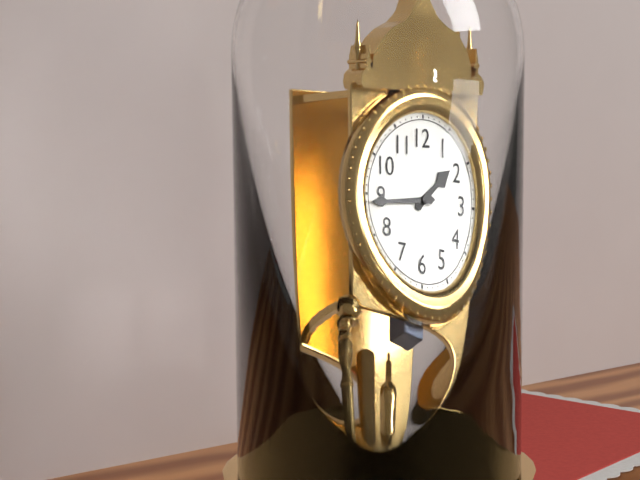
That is 1.44
